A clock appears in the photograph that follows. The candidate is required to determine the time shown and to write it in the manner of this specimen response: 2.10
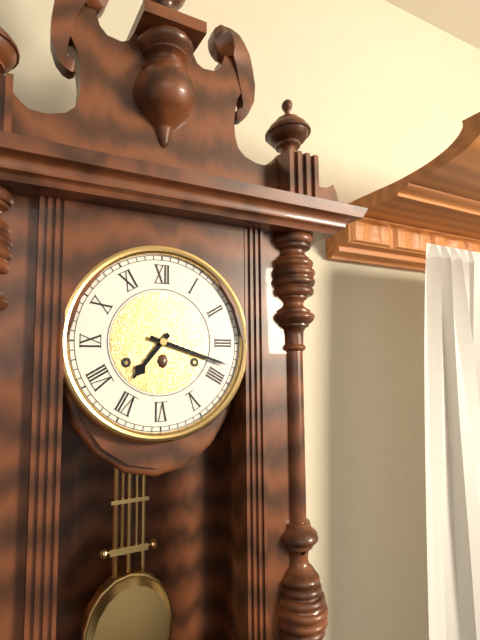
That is 7.18
